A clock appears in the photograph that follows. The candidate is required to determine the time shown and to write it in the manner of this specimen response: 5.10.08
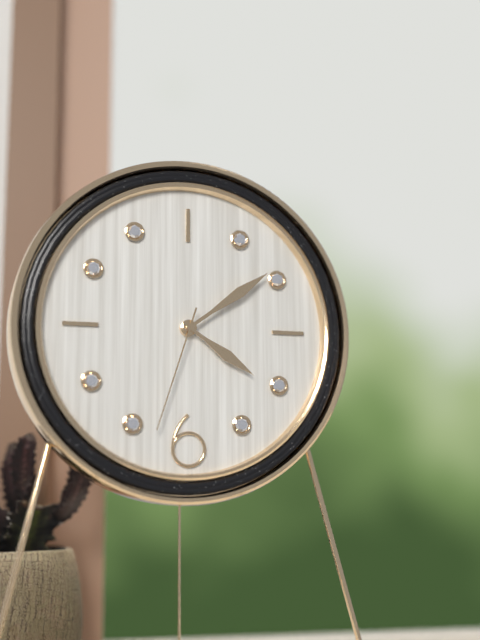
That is 4.09.33
